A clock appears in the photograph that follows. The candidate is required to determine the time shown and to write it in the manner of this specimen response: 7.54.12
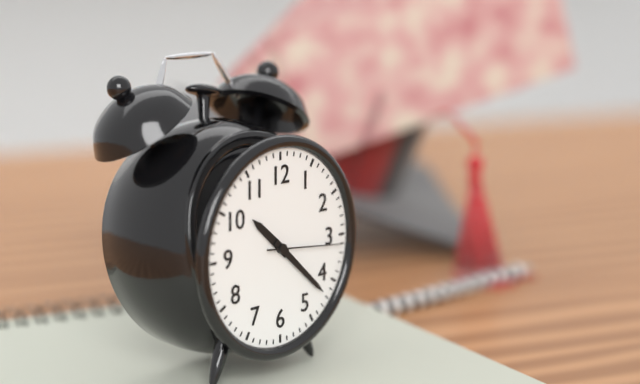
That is 10.22.16
